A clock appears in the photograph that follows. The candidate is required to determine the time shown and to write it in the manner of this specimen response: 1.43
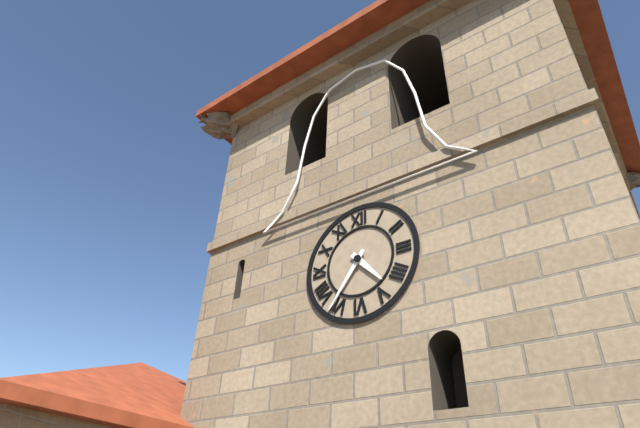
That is 4.36
